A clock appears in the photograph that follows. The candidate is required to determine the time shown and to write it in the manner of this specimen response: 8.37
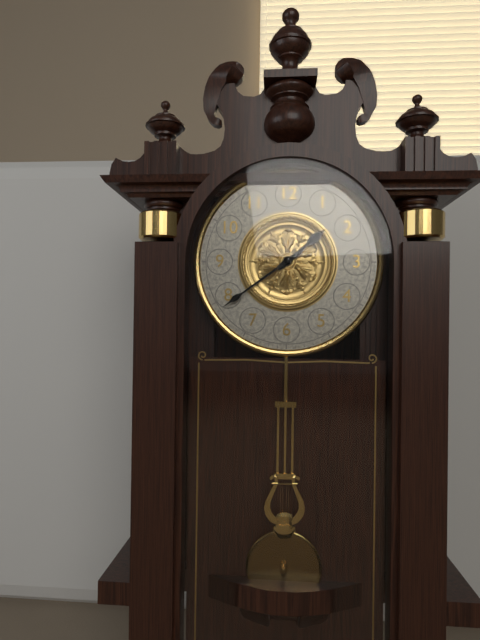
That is 1.39
